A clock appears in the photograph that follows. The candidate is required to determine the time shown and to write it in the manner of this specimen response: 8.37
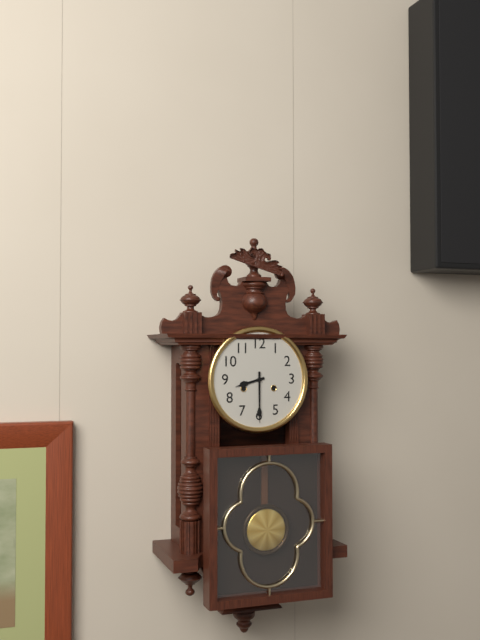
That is 8.30
